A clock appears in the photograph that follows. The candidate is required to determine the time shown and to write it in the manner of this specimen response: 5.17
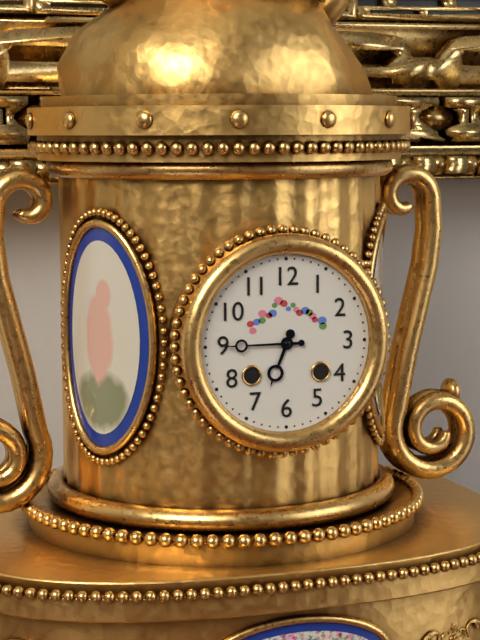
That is 6.45
